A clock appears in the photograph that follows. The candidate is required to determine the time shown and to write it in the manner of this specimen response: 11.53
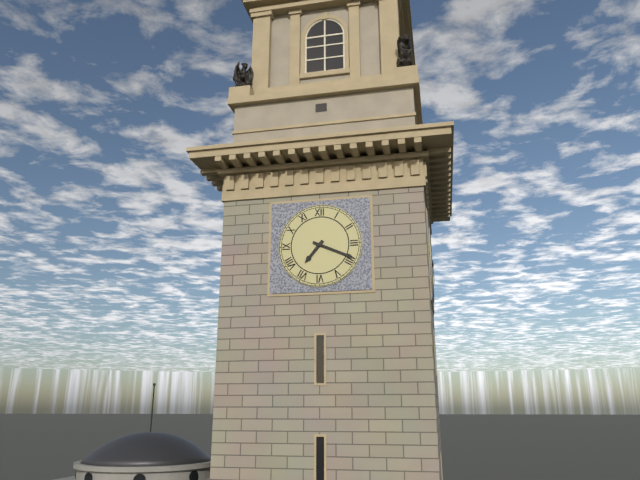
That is 7.19
